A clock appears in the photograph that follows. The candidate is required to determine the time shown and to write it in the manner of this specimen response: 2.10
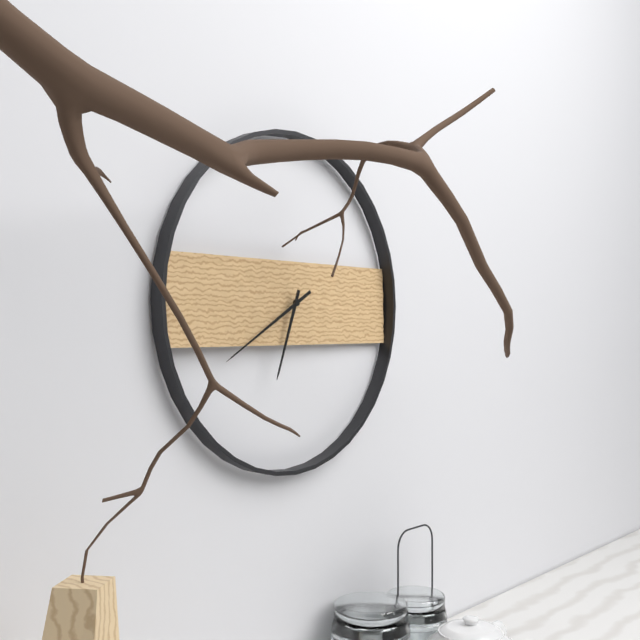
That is 6.40
